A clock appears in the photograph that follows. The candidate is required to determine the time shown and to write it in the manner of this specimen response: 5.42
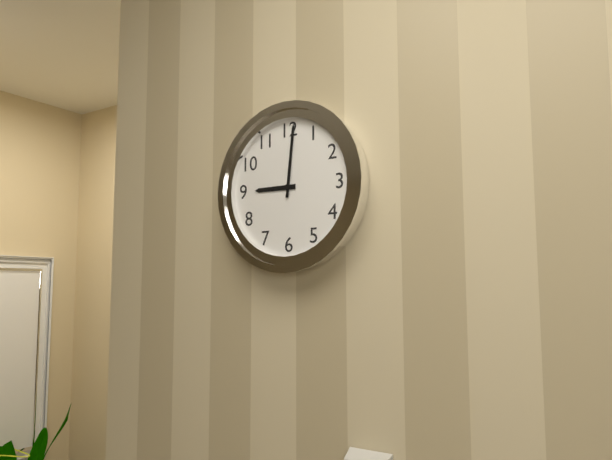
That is 9.01
